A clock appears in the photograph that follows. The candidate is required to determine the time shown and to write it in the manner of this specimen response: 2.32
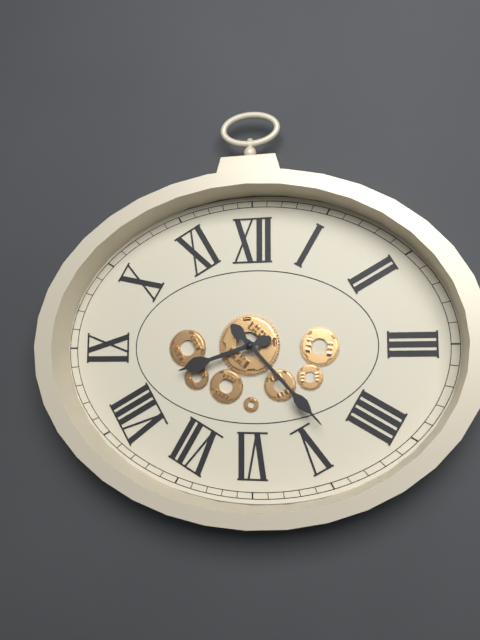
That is 8.23
